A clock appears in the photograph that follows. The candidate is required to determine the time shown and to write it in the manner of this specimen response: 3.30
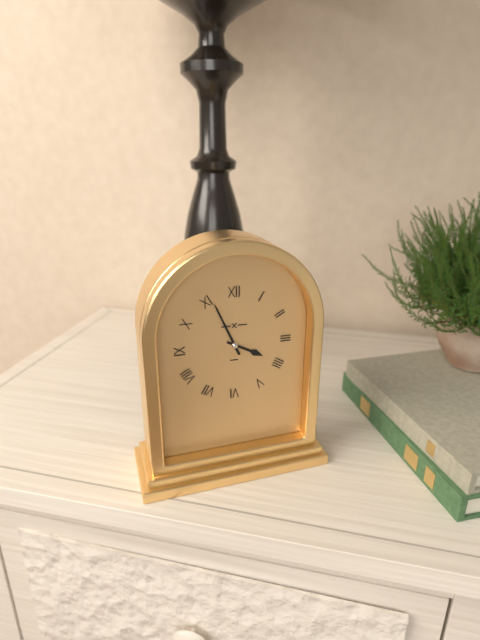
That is 3.56
